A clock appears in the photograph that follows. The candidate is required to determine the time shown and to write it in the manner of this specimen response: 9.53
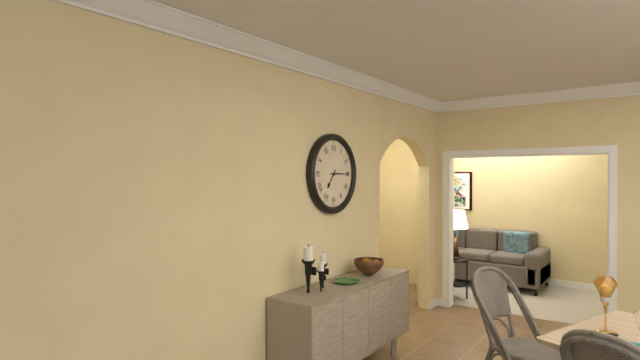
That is 7.15
